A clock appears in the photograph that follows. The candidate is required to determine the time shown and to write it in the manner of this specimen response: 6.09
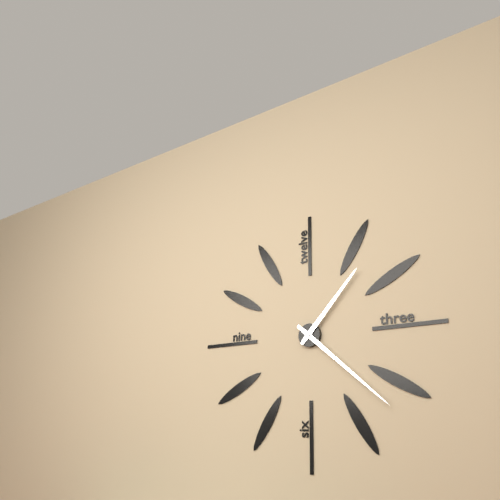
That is 1.22
